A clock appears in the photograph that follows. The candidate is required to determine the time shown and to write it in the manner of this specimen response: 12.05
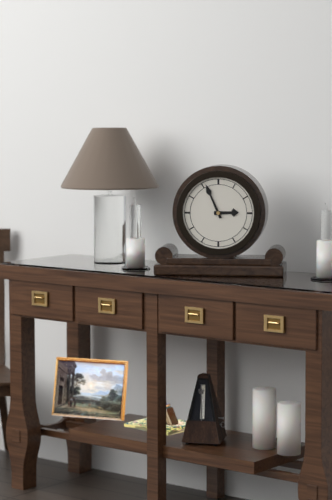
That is 2.56
